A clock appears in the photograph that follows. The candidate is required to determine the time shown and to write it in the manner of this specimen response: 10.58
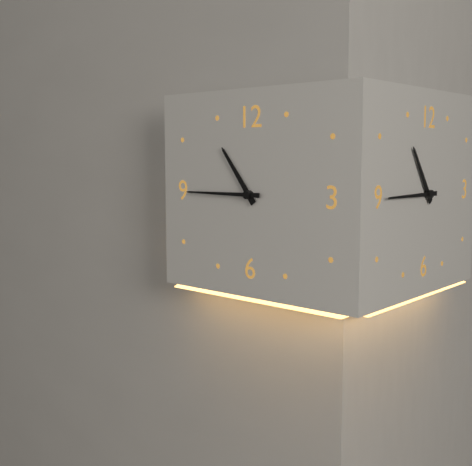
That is 10.45
